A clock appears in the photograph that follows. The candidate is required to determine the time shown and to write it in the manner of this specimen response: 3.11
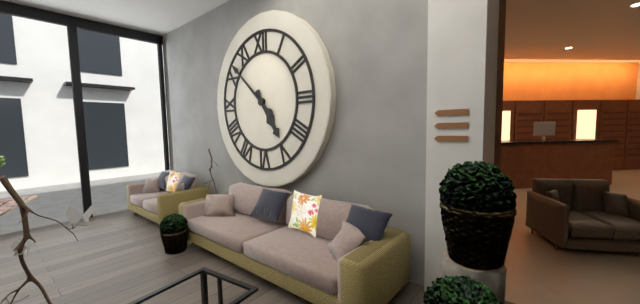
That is 4.52
